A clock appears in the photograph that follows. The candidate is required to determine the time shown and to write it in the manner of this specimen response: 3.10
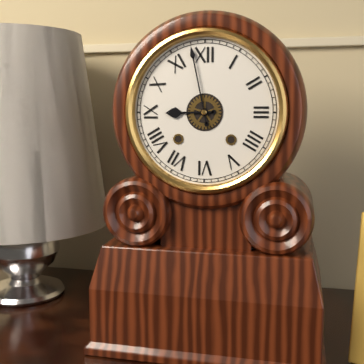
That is 8.58
